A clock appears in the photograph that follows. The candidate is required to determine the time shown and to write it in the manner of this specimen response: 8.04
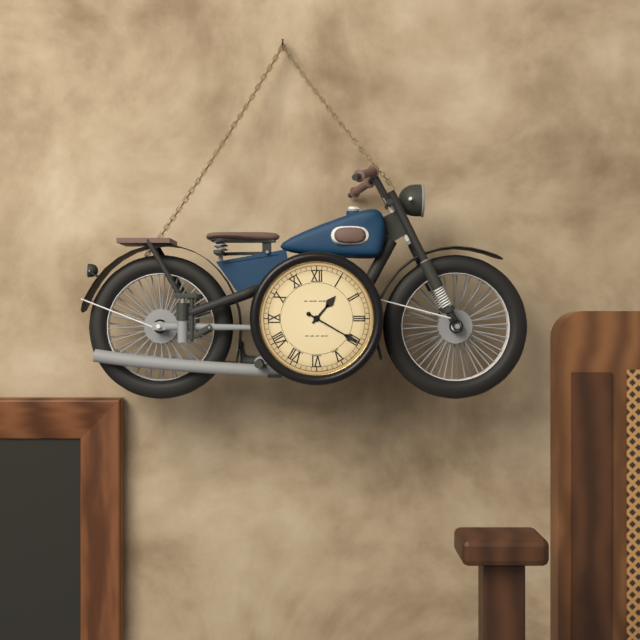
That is 1.20
